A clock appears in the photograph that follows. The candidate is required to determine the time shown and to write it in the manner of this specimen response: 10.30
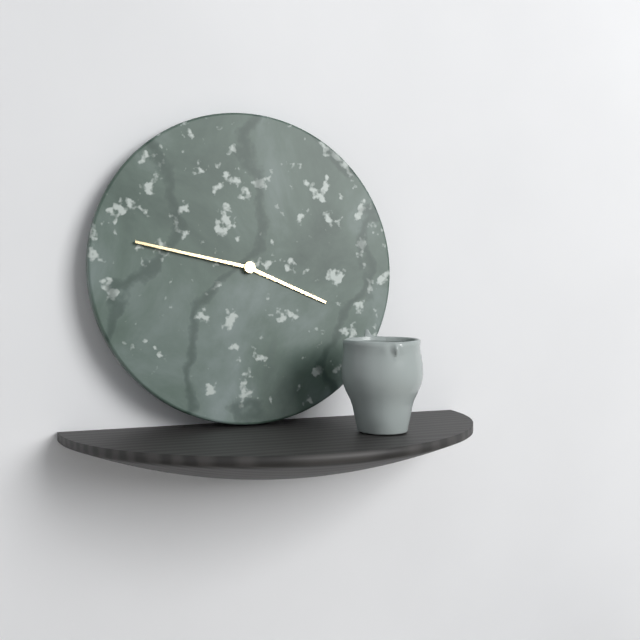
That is 3.47
